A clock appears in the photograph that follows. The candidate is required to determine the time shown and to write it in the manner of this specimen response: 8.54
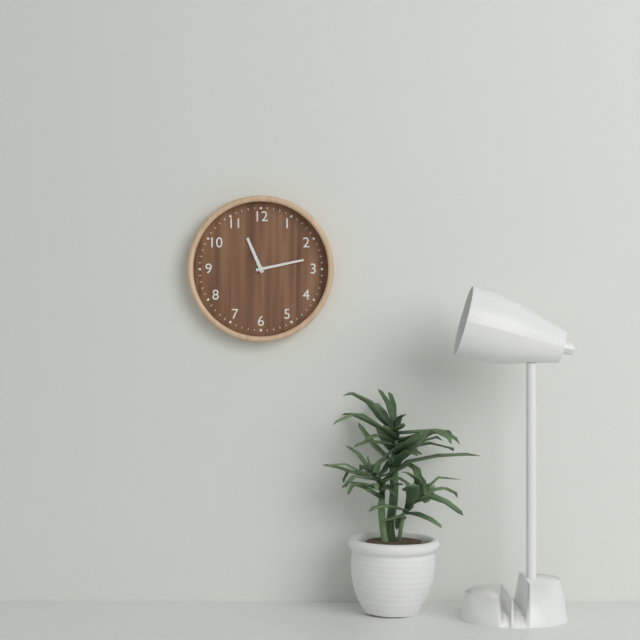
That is 11.13
